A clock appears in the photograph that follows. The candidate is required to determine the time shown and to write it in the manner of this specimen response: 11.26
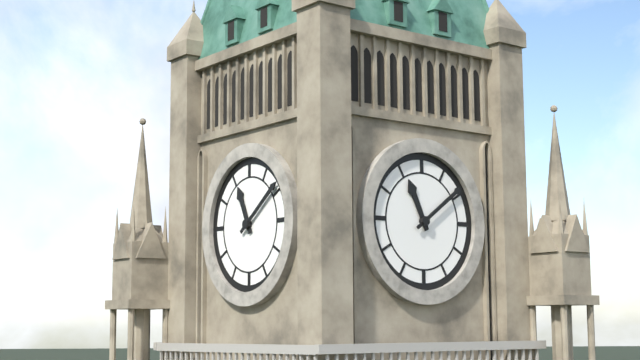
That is 11.09
